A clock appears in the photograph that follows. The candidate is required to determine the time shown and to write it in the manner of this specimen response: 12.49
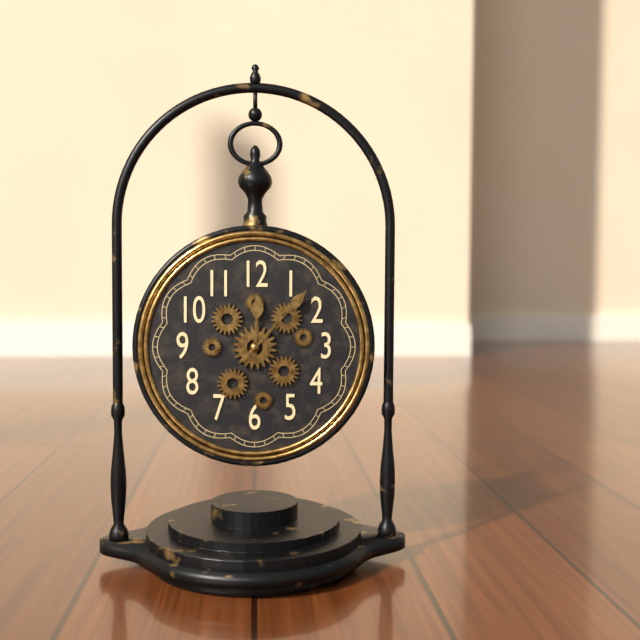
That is 12.07
